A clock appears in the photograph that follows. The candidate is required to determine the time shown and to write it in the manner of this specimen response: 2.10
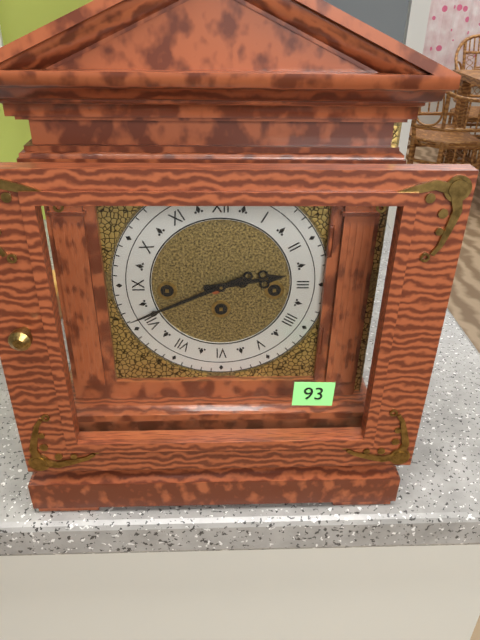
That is 2.41
